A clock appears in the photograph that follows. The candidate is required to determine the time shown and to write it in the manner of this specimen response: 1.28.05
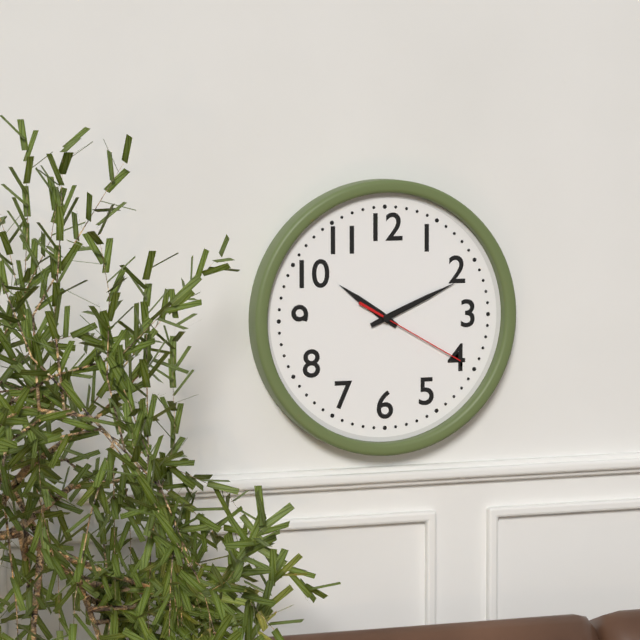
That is 10.11.20
